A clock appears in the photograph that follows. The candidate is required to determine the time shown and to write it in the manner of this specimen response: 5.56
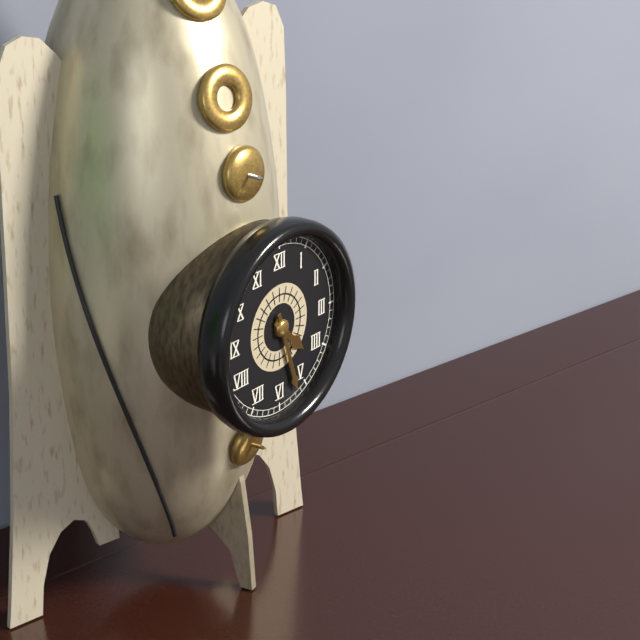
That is 4.27
